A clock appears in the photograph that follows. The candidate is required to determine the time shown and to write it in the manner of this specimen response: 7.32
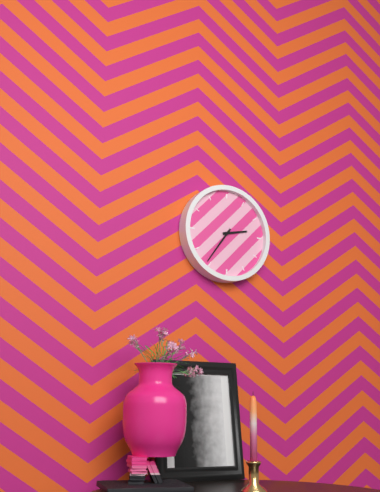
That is 2.36
